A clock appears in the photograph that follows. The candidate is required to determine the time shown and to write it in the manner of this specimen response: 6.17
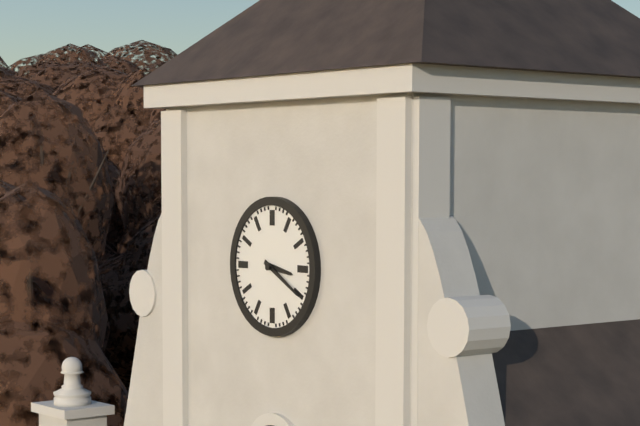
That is 3.20
